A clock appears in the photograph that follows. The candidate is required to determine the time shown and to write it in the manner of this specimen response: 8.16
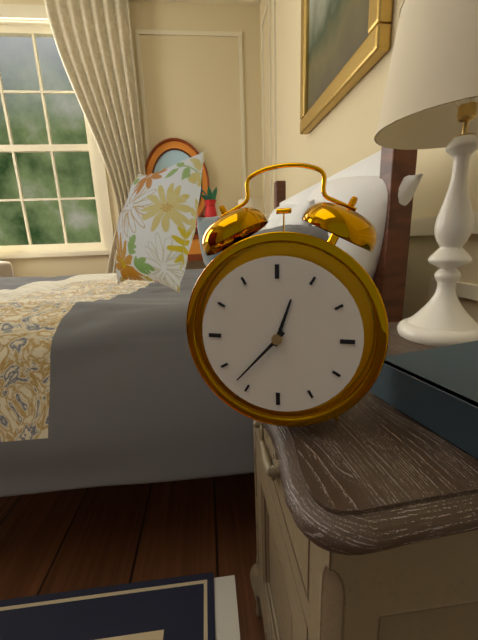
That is 12.37
